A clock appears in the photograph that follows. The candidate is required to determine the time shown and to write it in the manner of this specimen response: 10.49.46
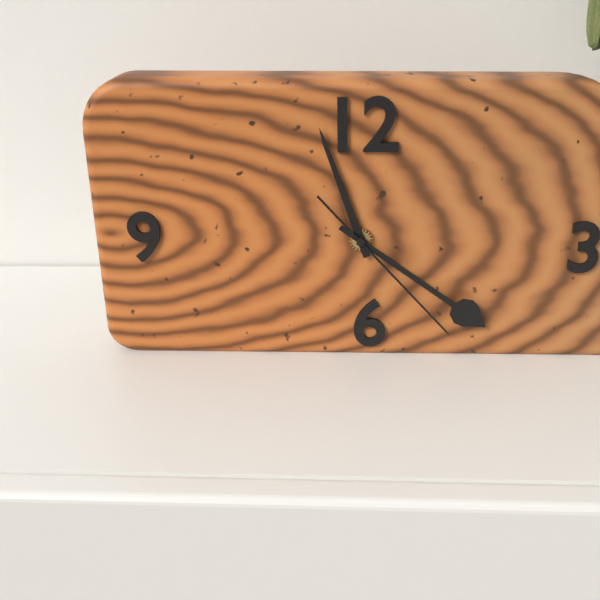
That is 11.21.23
